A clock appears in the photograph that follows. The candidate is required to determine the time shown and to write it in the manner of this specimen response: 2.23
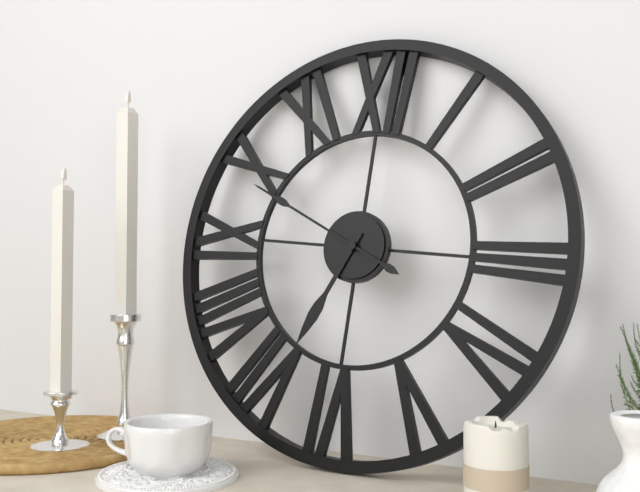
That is 6.49
